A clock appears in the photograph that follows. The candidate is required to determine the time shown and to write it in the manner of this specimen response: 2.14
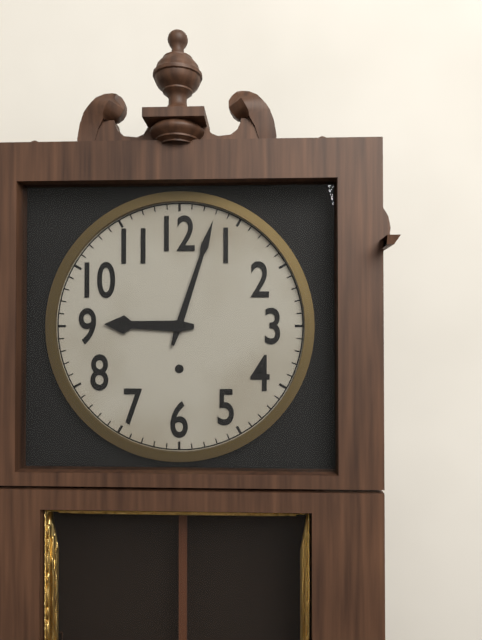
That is 9.03
